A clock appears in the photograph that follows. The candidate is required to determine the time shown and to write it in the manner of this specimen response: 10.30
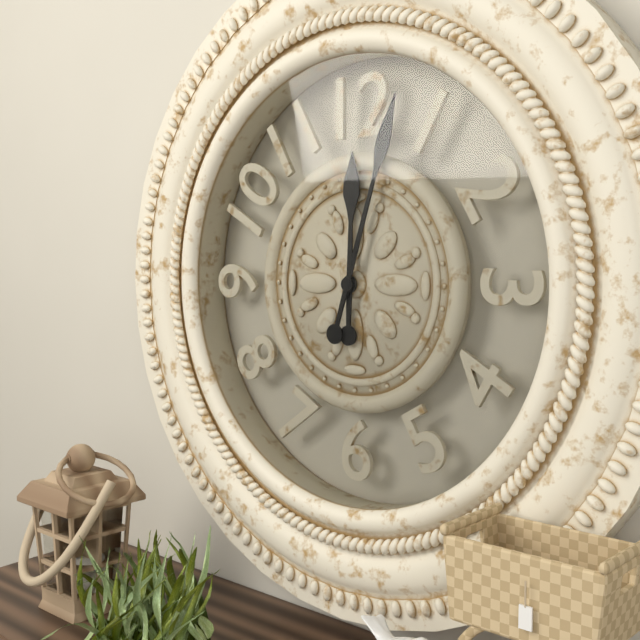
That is 12.03
